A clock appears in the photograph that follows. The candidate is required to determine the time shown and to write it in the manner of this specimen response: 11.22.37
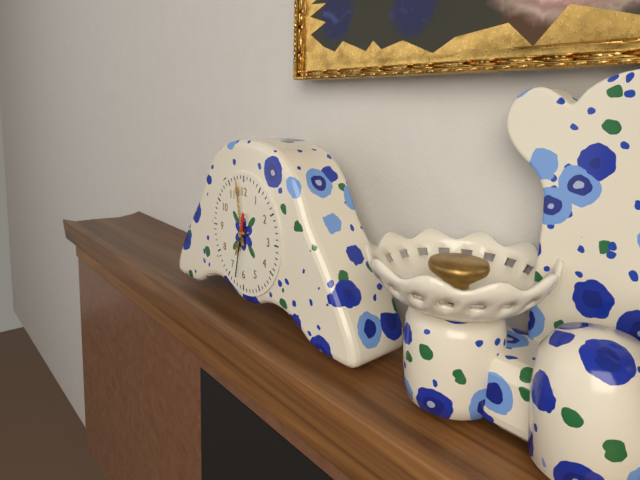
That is 6.58.32
